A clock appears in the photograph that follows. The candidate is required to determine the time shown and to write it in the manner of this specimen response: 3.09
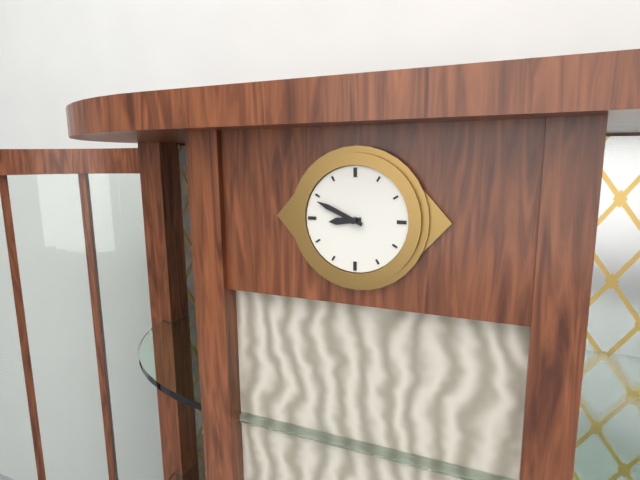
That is 8.49
